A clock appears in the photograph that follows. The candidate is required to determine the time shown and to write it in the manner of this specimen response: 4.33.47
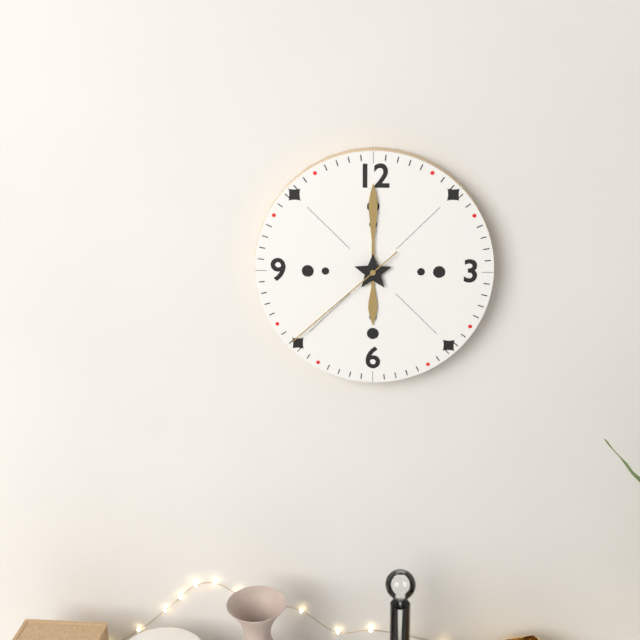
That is 6.00.38
